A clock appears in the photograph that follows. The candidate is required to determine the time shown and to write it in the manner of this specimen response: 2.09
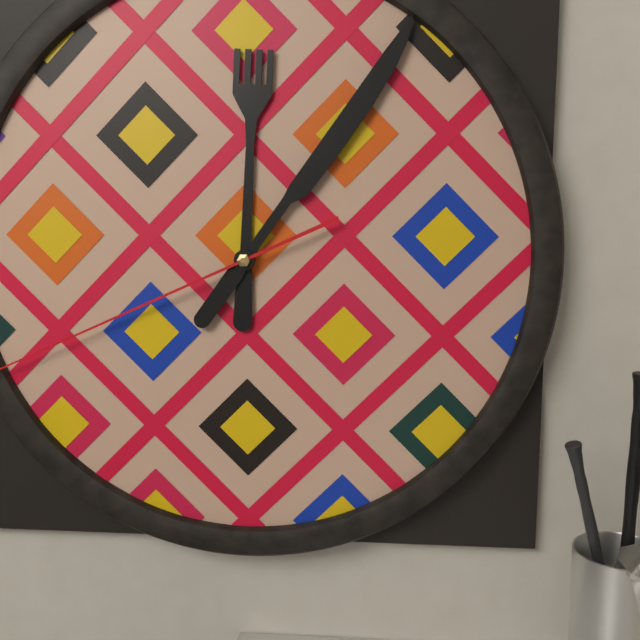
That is 12.06
